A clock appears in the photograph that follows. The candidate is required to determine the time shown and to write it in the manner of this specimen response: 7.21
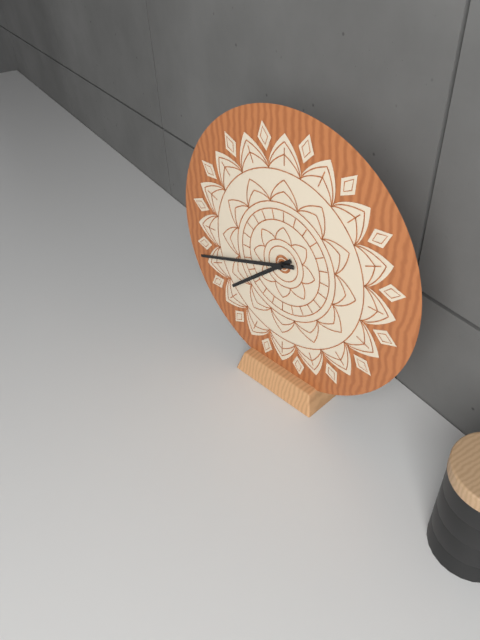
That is 7.42
